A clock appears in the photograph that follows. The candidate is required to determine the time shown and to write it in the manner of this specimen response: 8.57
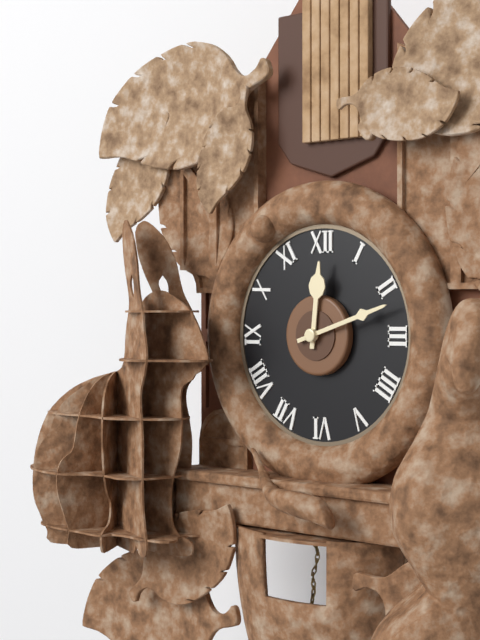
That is 12.12
